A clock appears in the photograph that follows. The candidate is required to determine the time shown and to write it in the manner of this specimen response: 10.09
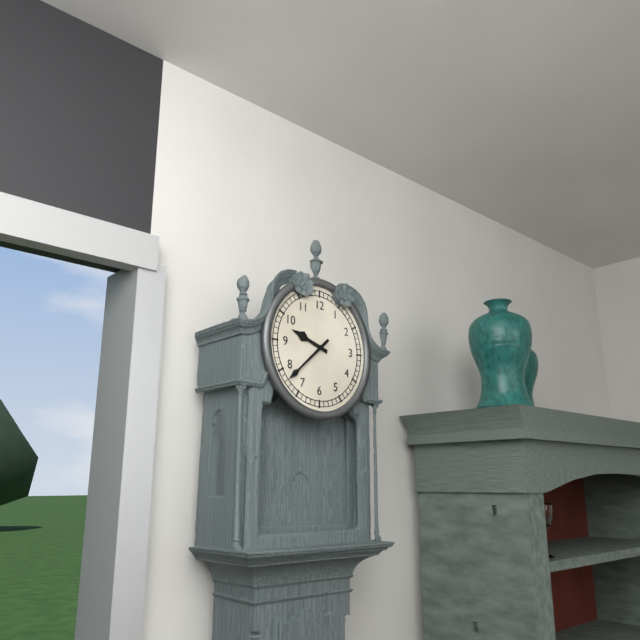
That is 9.38
